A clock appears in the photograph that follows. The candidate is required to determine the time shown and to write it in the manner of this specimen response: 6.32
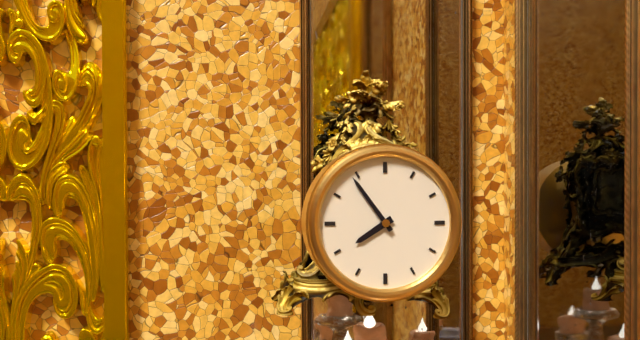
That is 7.54
